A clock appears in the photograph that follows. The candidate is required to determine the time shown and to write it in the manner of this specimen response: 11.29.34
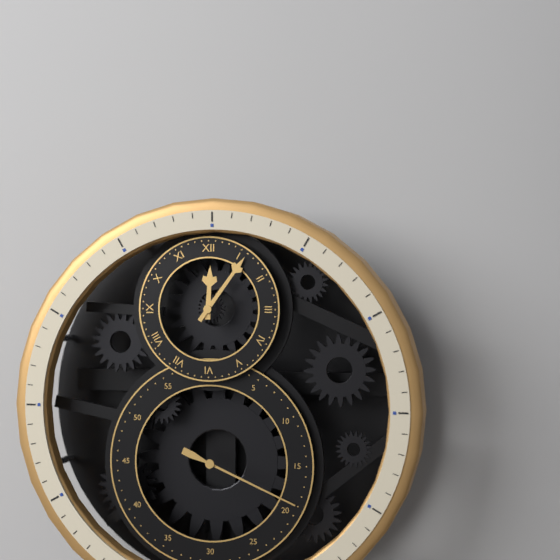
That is 12.06.19
